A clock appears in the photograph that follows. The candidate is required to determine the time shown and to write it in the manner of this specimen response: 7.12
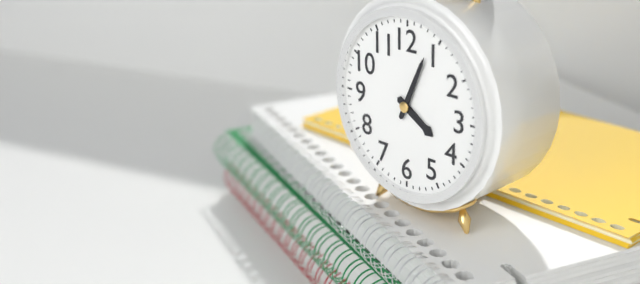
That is 4.04
